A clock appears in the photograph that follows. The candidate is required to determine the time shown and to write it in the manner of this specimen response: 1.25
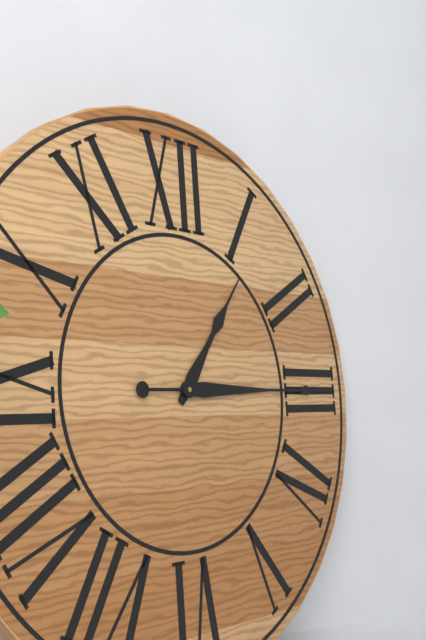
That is 1.15
